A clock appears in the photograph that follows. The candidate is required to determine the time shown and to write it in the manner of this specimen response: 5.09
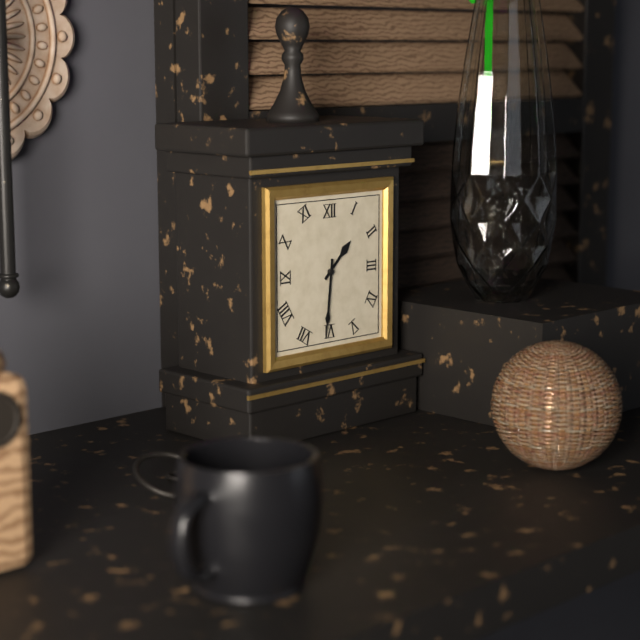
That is 1.31
